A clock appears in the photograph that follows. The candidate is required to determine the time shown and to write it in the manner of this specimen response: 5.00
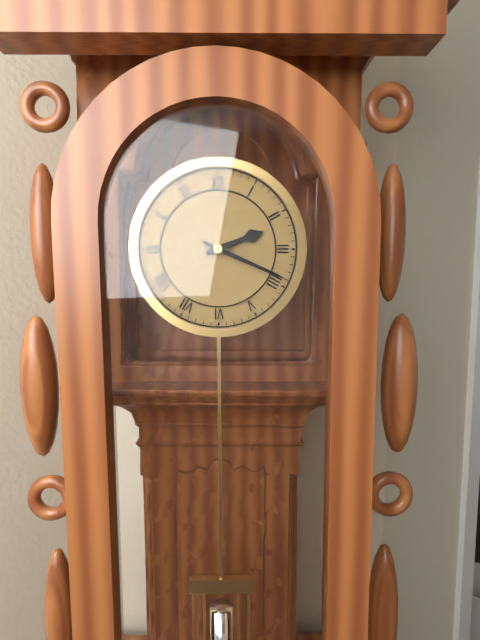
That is 2.19
